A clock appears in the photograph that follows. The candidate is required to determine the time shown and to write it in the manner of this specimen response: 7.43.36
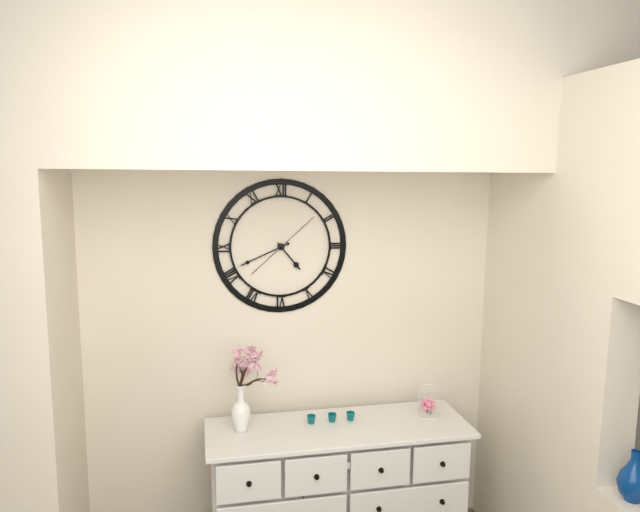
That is 4.41.08
